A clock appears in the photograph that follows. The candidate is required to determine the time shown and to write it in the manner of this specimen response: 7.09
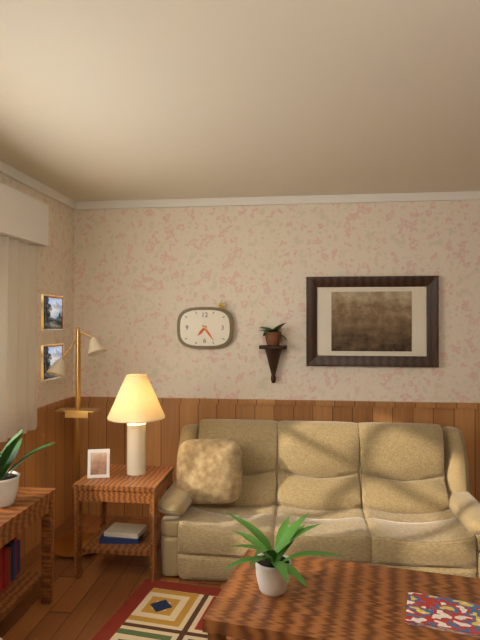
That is 7.24
